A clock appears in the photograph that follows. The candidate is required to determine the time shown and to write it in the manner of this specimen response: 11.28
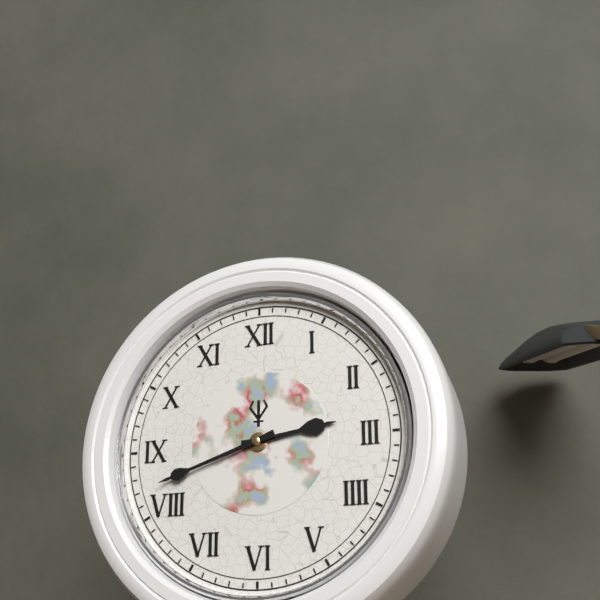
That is 2.42
